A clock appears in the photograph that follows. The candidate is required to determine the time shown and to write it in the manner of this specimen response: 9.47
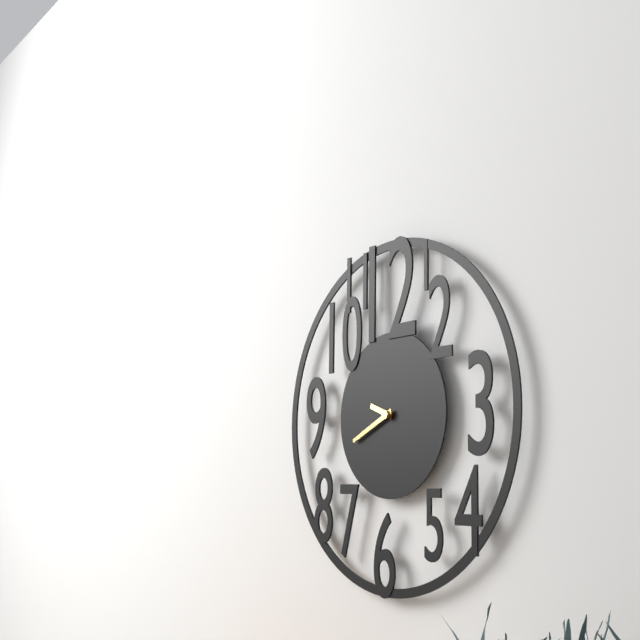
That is 9.41
